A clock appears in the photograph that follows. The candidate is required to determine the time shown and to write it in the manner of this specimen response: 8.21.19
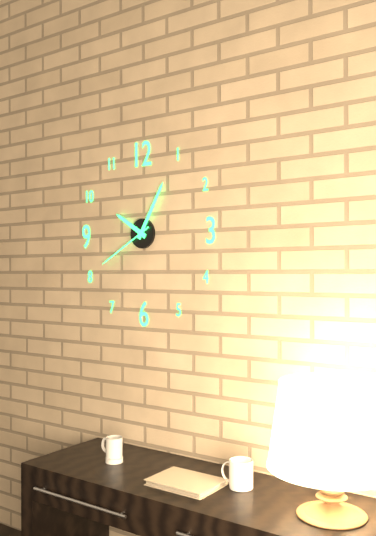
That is 10.05.40
